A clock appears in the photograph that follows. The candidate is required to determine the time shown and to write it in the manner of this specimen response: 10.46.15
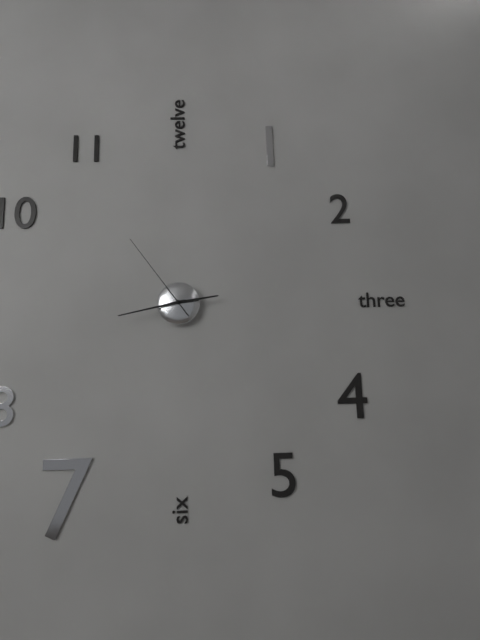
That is 2.43.54
